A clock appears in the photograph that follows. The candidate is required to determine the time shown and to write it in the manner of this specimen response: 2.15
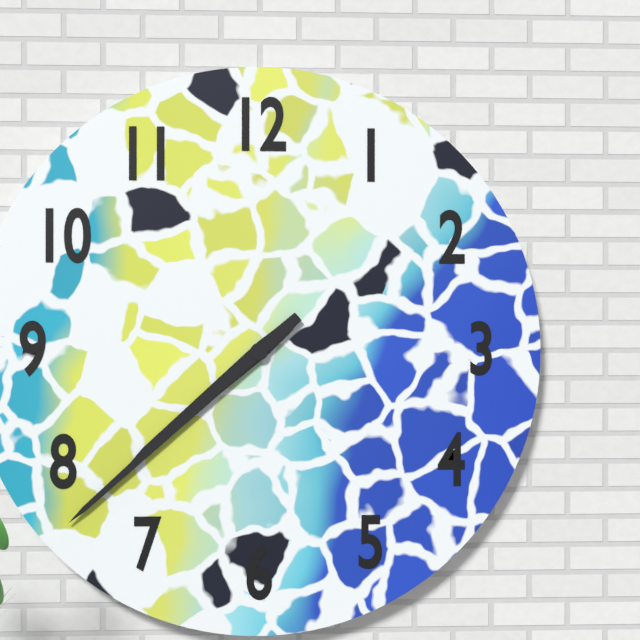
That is 7.38
